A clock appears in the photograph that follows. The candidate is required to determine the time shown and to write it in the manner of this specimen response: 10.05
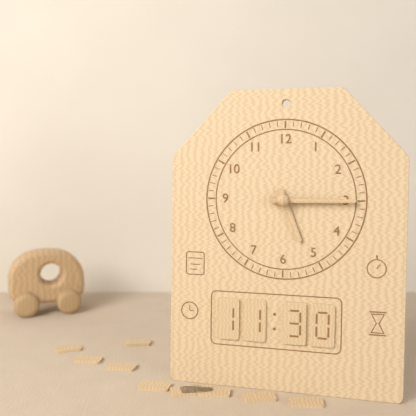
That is 5.15
